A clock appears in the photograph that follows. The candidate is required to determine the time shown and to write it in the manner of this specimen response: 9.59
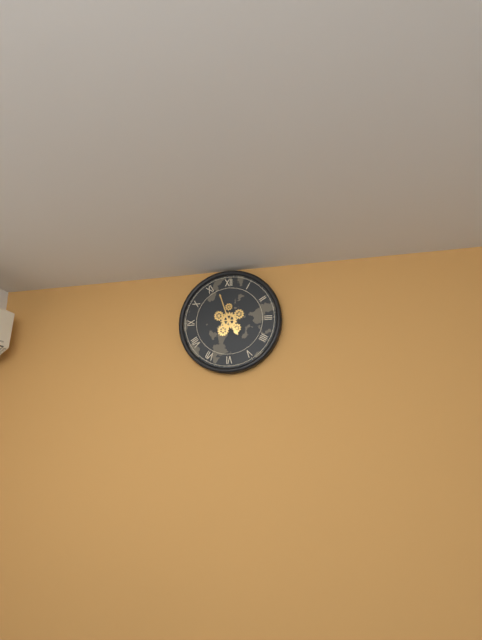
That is 4.57
